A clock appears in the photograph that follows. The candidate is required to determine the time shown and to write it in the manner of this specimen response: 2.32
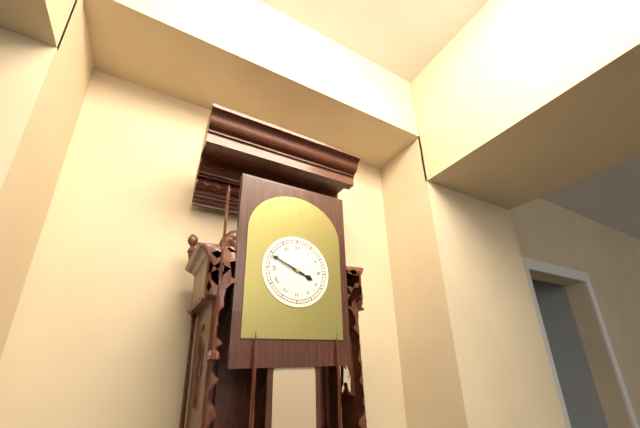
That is 3.49
